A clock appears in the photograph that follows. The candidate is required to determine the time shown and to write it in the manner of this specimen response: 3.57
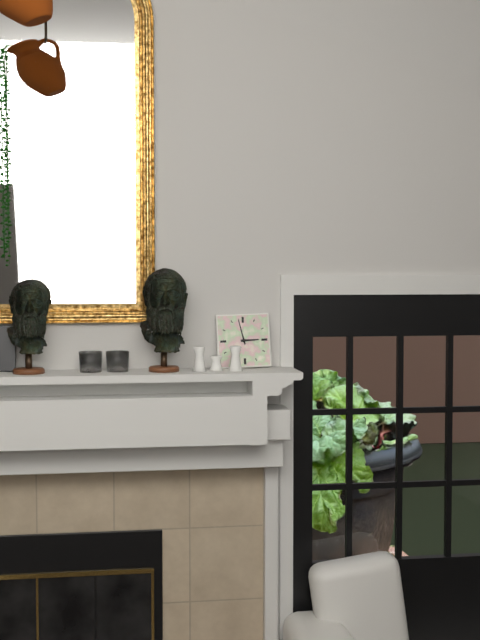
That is 2.58
